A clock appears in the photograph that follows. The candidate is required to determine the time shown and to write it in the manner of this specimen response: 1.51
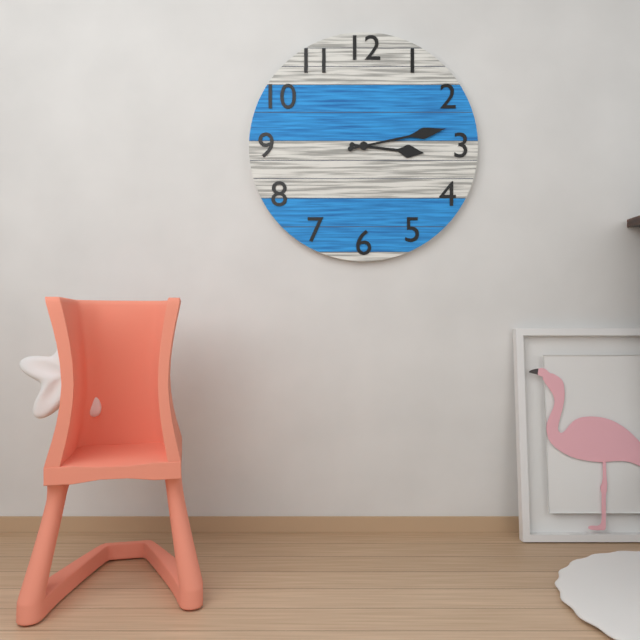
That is 3.13
